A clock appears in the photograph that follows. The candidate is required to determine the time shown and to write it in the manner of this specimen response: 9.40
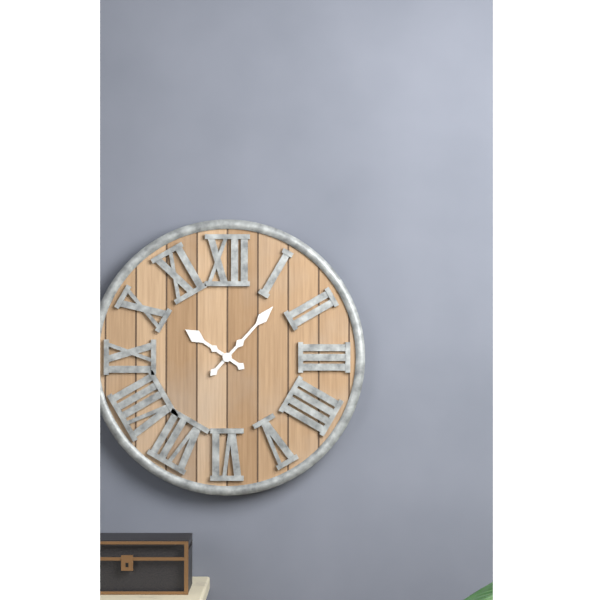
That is 10.07
